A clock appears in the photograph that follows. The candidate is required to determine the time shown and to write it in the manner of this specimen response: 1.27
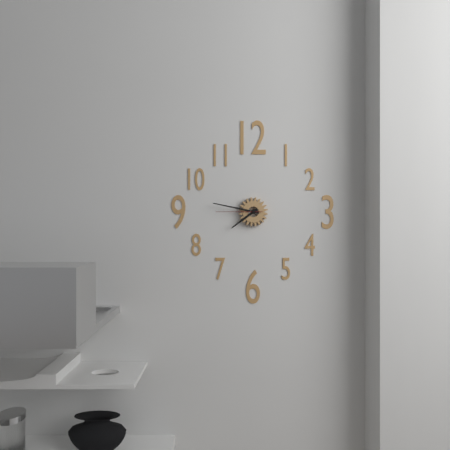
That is 7.47
